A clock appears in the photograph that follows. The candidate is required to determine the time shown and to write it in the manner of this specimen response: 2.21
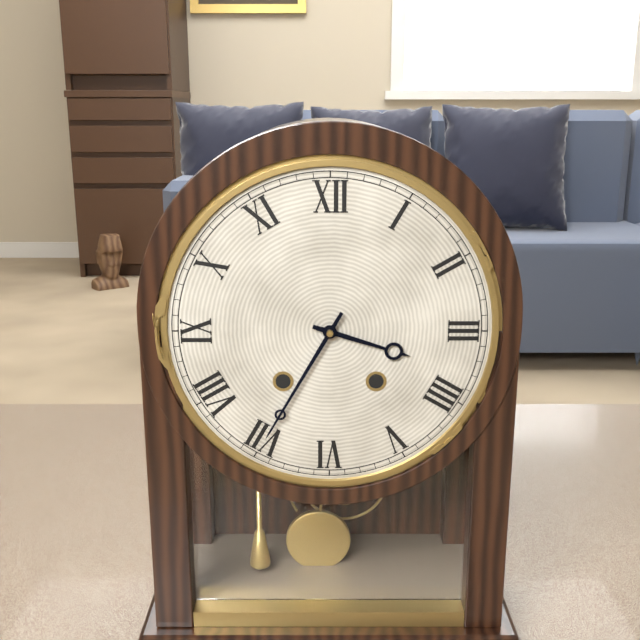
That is 3.35
